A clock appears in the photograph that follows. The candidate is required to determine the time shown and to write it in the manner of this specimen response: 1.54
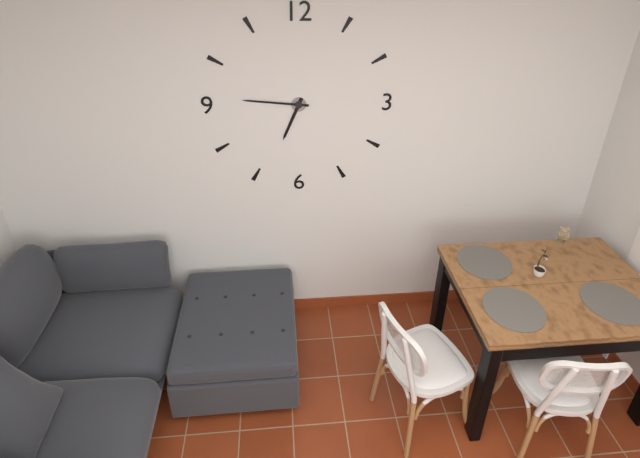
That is 6.46
